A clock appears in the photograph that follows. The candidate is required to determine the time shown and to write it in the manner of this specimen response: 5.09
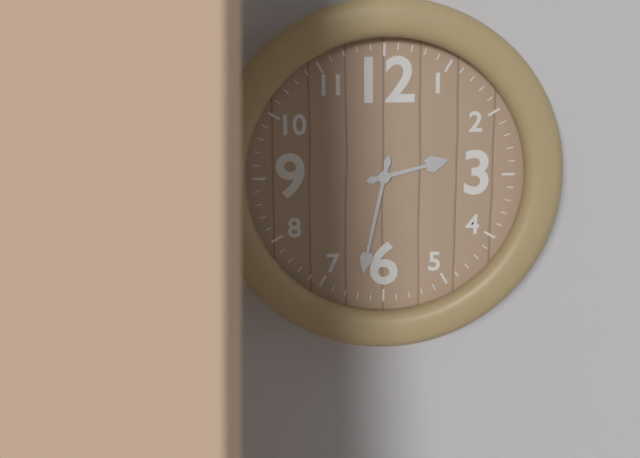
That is 2.32
